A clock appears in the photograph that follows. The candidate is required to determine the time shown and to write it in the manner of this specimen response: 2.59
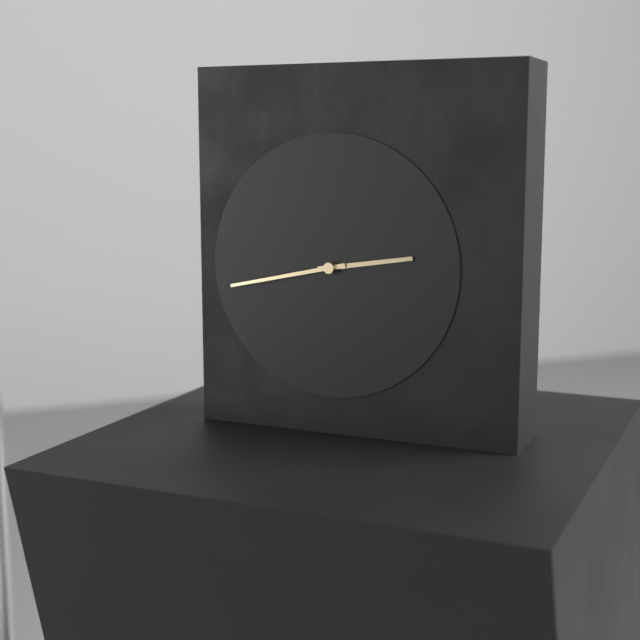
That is 2.43
